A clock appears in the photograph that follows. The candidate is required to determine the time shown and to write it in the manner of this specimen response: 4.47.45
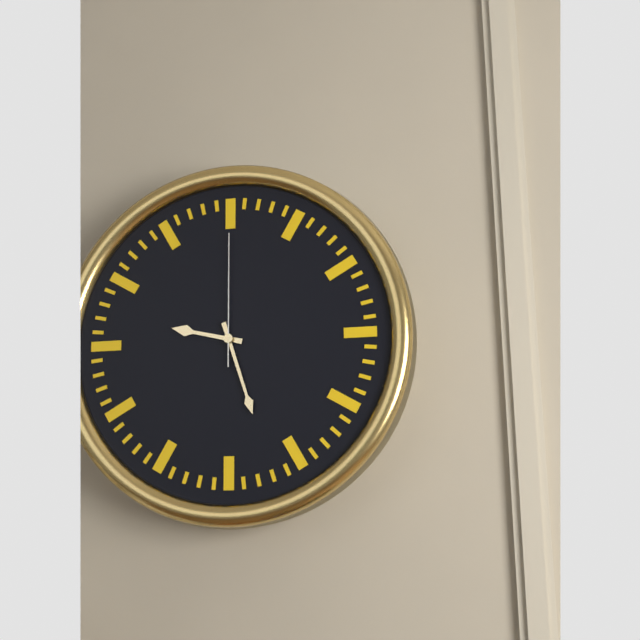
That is 9.27.00
